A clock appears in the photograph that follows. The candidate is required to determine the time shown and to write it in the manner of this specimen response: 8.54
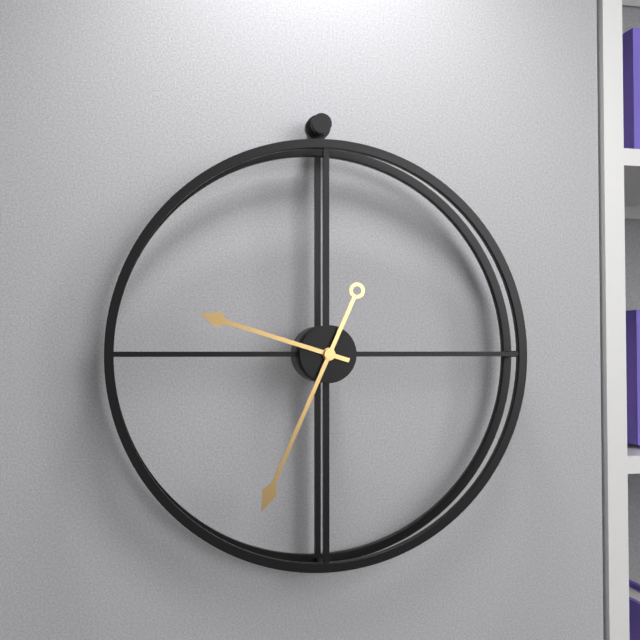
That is 9.34
